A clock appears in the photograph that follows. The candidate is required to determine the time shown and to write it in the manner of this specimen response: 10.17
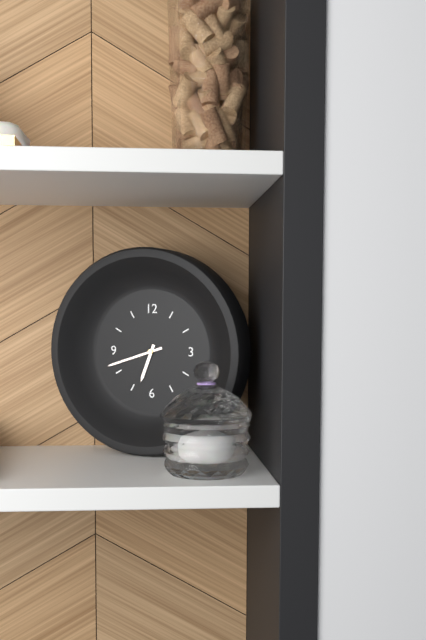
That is 6.42
